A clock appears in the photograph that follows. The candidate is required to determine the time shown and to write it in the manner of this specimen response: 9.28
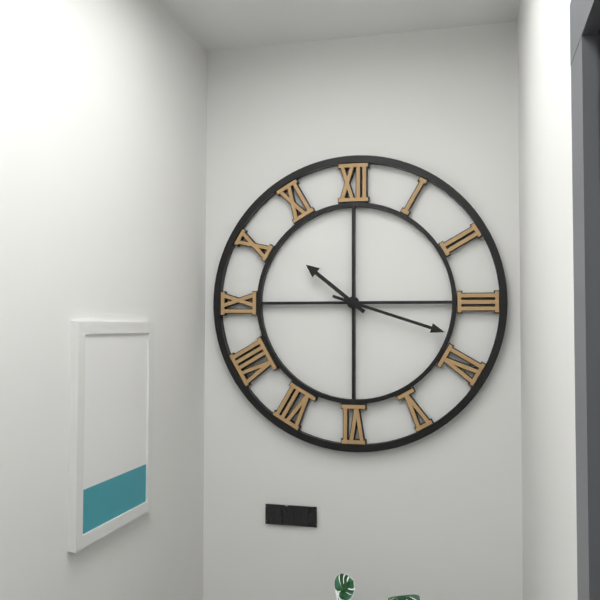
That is 10.18
